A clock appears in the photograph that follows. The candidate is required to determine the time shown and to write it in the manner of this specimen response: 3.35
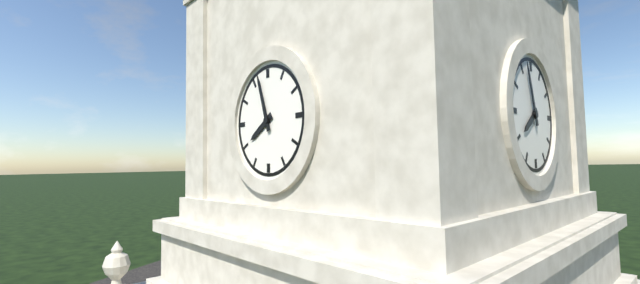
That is 7.57
